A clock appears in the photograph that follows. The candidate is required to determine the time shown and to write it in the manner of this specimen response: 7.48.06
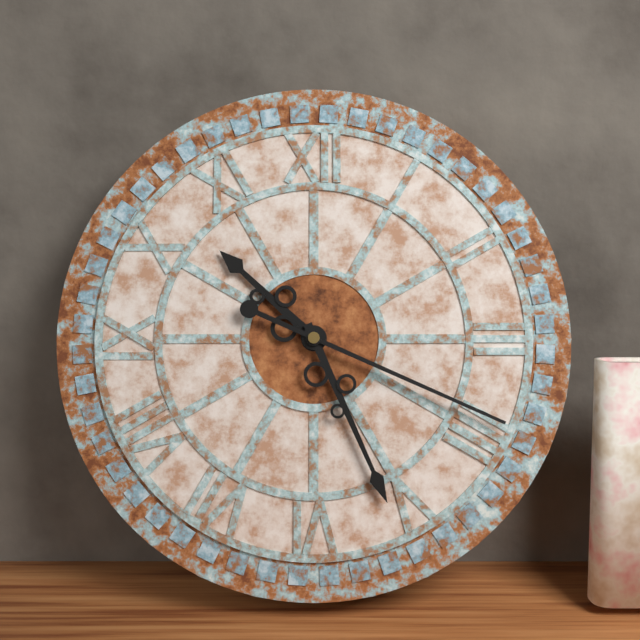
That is 10.26.19
